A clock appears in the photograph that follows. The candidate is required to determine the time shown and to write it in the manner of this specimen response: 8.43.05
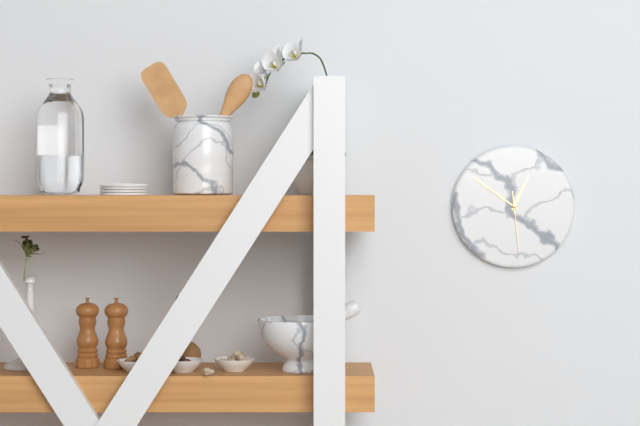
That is 12.51.29
